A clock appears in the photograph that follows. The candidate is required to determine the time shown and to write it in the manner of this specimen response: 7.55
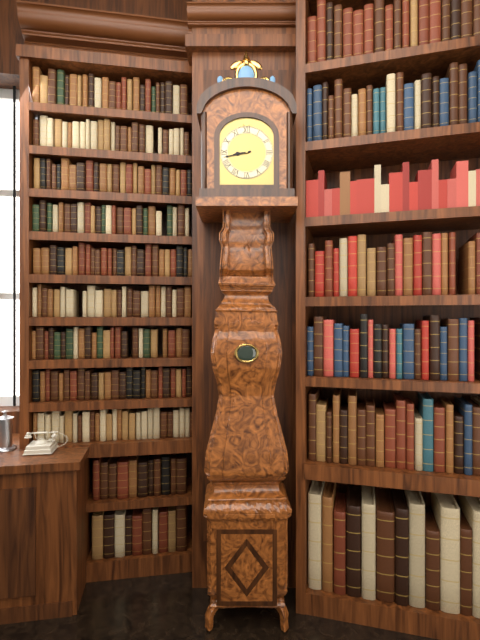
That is 8.43
